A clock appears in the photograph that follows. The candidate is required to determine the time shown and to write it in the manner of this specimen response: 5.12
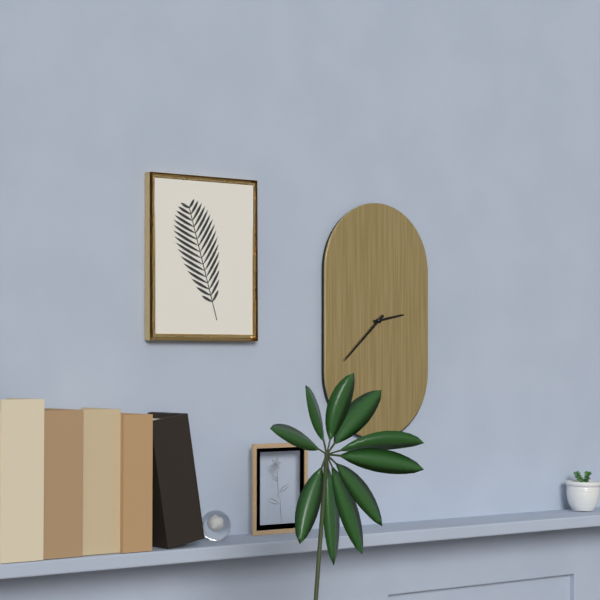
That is 2.38
